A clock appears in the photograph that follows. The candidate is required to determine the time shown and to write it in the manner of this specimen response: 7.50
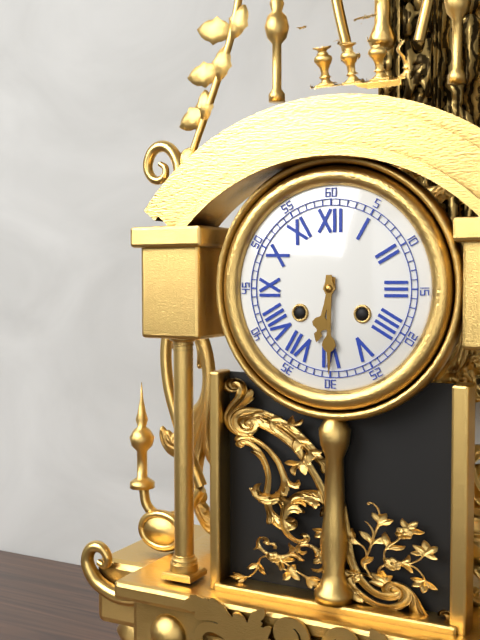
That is 6.30
